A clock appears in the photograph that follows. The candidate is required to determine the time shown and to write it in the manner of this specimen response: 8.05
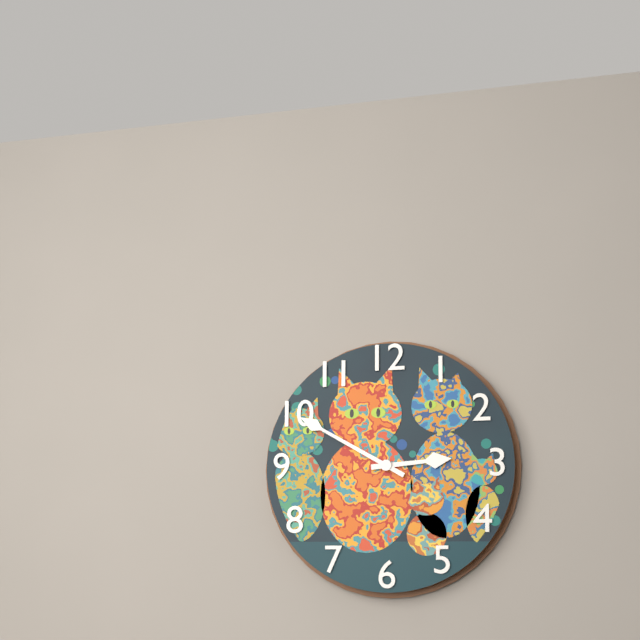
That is 2.50
